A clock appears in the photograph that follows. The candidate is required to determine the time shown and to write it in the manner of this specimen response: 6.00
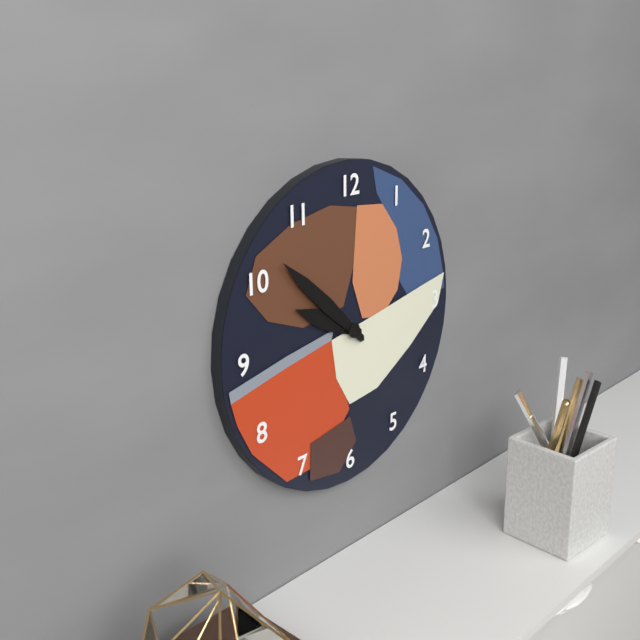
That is 9.52
